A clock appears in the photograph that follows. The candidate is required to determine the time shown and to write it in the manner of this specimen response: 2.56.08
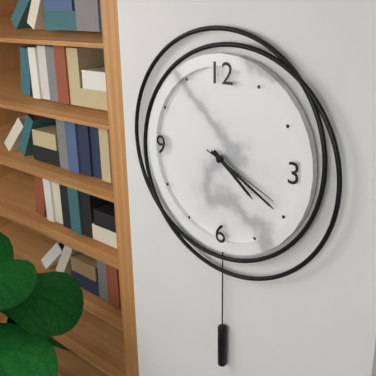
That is 4.20.19
